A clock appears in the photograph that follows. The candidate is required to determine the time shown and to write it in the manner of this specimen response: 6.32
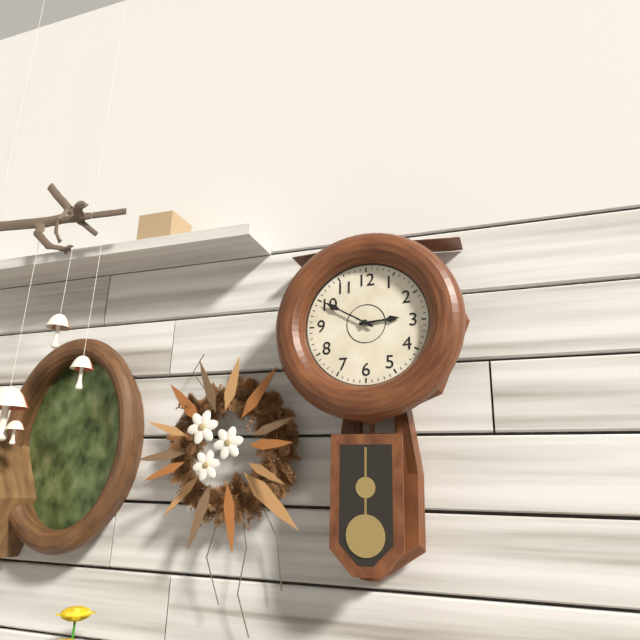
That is 2.50
